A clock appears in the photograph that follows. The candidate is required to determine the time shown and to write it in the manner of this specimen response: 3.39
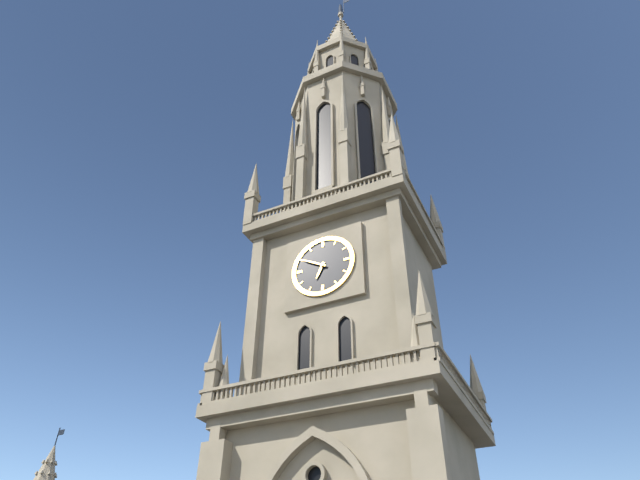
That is 6.50
